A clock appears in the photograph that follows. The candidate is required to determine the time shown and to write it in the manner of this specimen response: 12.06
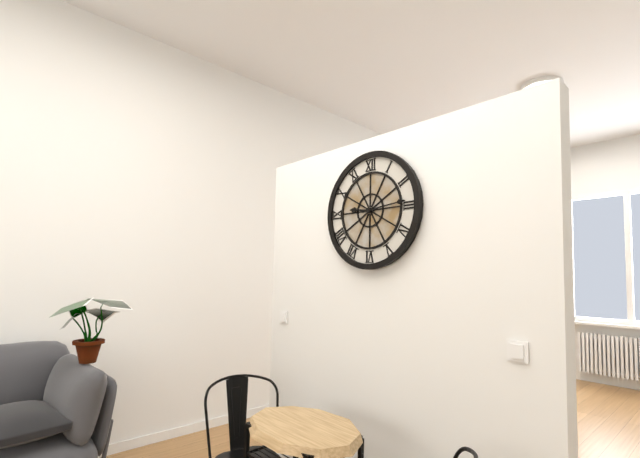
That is 9.14
